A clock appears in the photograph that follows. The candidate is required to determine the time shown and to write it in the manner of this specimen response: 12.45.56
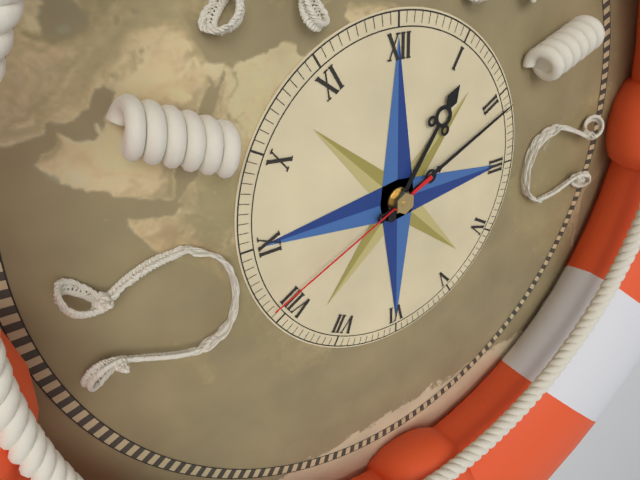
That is 1.11.41
